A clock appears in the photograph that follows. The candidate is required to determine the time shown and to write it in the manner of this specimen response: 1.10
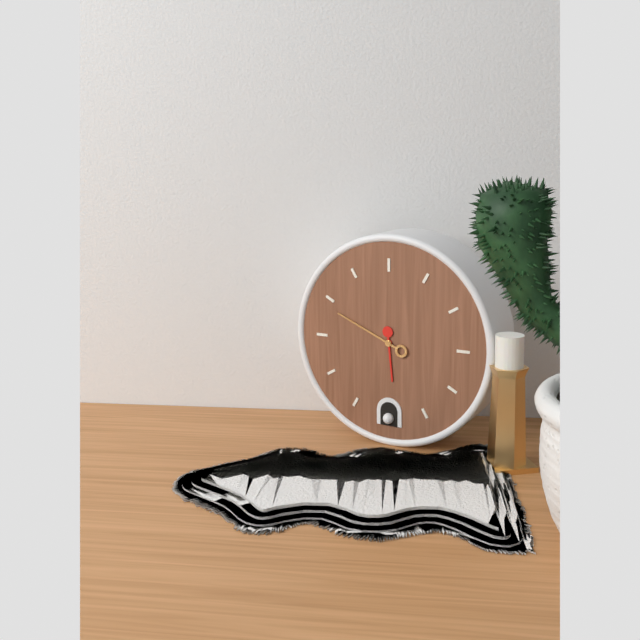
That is 5.49
